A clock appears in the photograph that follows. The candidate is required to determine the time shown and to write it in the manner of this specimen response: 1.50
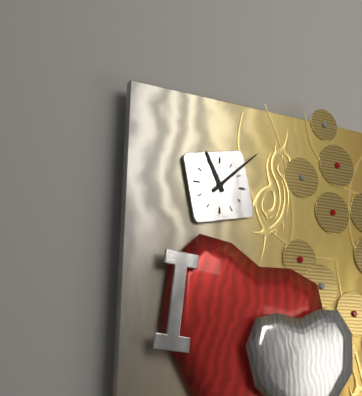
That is 11.08
